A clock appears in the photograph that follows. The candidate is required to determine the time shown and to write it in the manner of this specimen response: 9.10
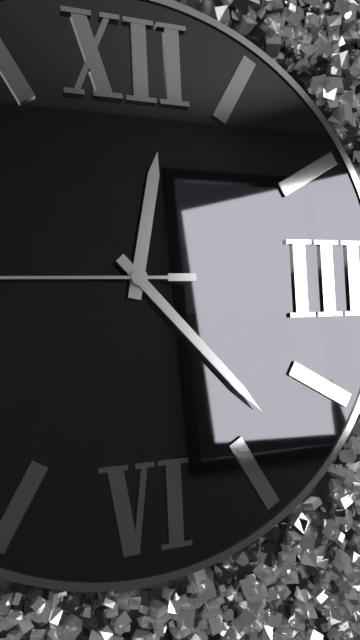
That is 12.23
